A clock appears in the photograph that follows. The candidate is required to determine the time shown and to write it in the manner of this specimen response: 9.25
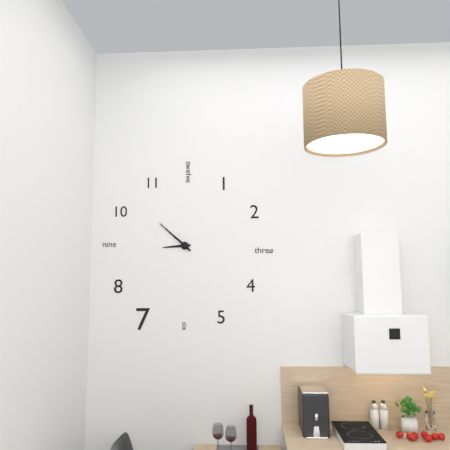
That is 8.52
